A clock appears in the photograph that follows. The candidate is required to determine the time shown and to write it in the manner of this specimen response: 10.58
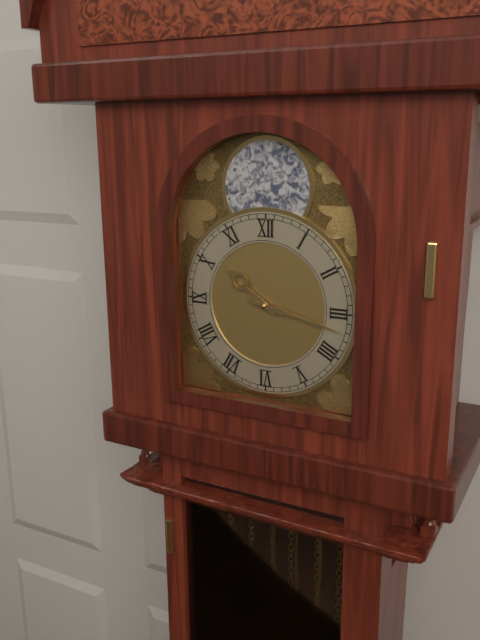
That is 10.17
